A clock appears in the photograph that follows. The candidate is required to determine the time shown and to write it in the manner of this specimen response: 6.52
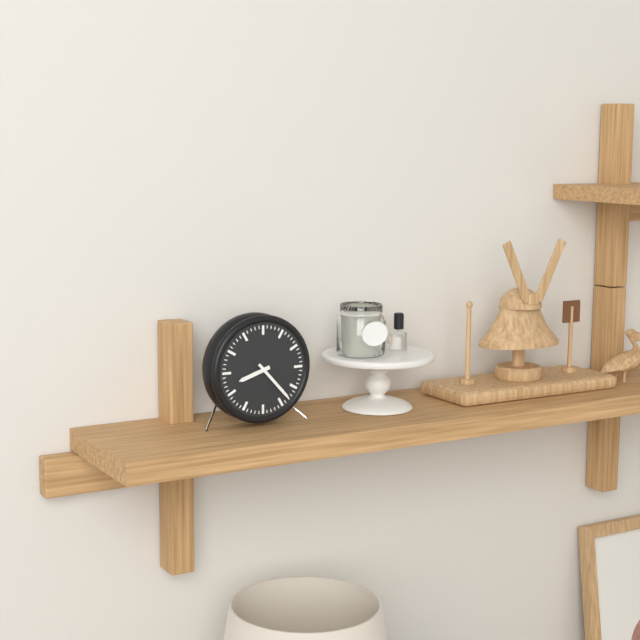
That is 8.23
